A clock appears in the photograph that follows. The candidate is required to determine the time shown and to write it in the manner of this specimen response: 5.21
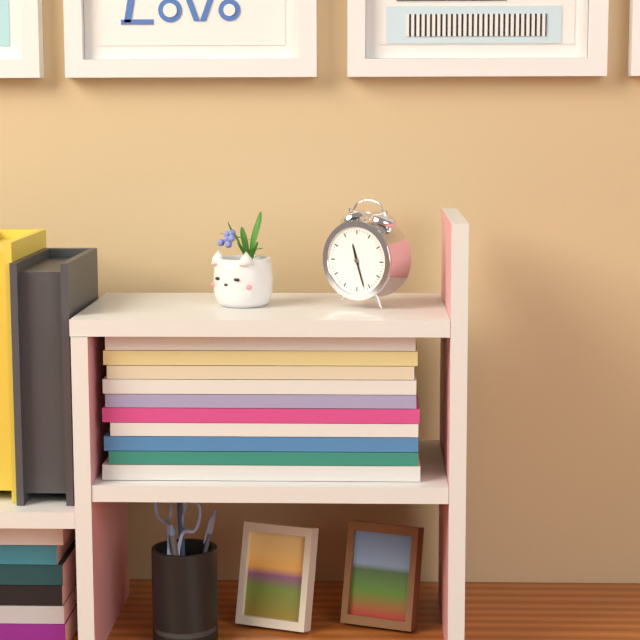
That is 11.27
